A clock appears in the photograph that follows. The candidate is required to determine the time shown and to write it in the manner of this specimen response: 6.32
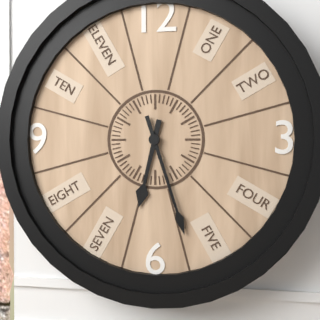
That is 6.27
